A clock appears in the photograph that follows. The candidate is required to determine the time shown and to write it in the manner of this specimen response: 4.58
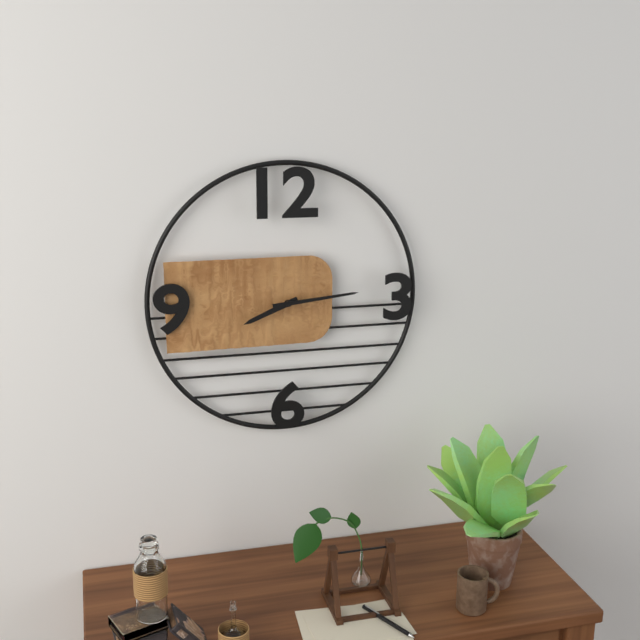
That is 8.14
